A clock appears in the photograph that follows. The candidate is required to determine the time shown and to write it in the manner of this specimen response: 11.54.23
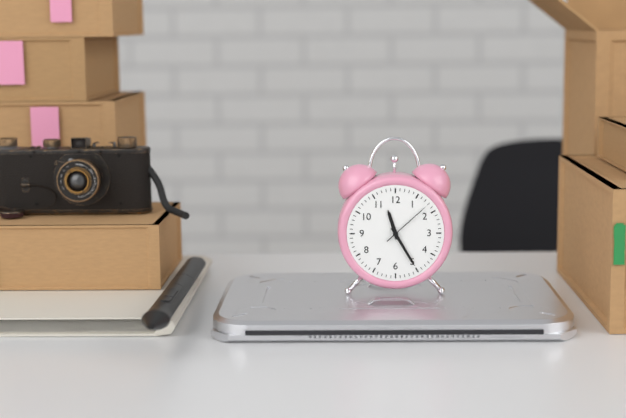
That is 11.25.08
